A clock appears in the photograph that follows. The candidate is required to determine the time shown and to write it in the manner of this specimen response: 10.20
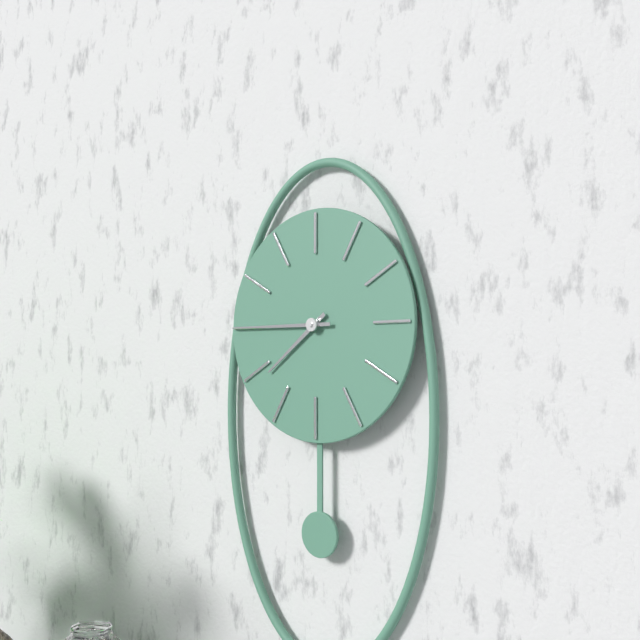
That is 7.45
